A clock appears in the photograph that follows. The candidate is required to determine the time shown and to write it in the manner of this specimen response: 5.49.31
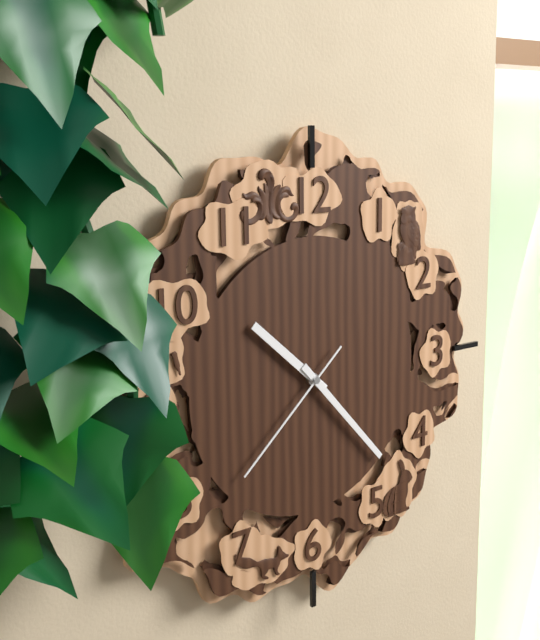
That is 10.23.38
